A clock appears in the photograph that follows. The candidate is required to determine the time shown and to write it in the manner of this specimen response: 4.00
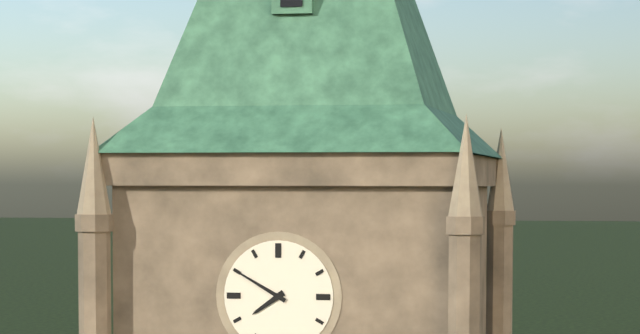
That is 7.50
